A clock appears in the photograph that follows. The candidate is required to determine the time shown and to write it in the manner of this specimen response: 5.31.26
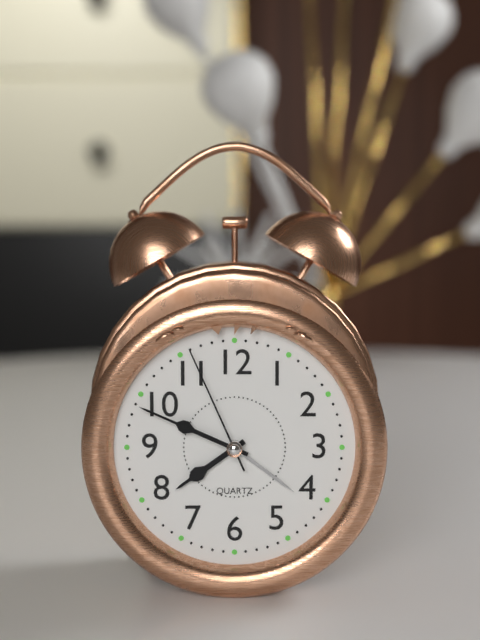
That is 7.49.56
